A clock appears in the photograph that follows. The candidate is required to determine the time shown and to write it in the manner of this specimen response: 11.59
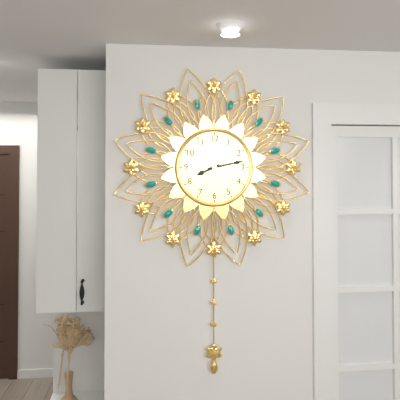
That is 8.13
